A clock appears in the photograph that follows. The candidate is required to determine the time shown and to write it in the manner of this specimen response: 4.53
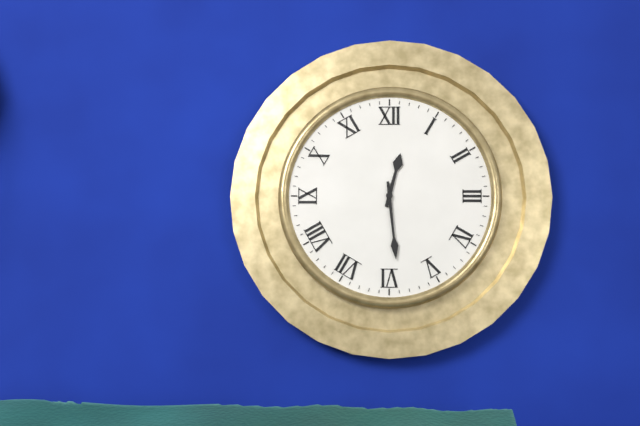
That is 12.29
